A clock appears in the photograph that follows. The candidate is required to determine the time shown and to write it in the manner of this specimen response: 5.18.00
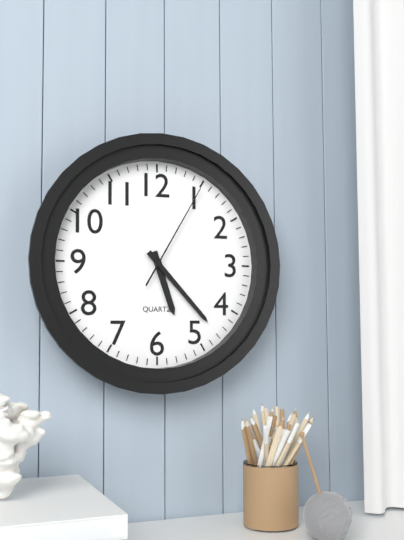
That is 5.23.05
